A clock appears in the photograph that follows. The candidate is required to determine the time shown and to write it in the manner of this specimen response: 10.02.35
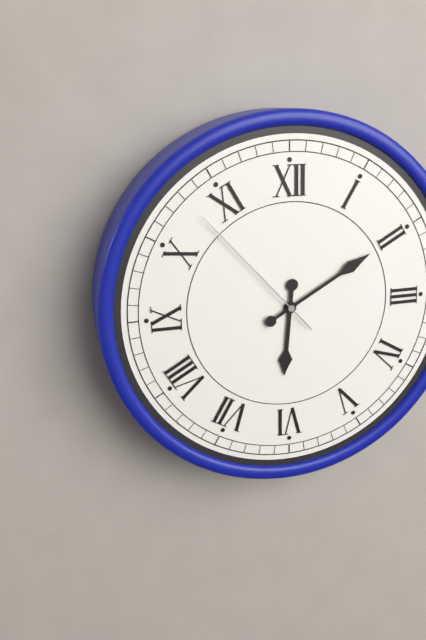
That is 6.10.53
